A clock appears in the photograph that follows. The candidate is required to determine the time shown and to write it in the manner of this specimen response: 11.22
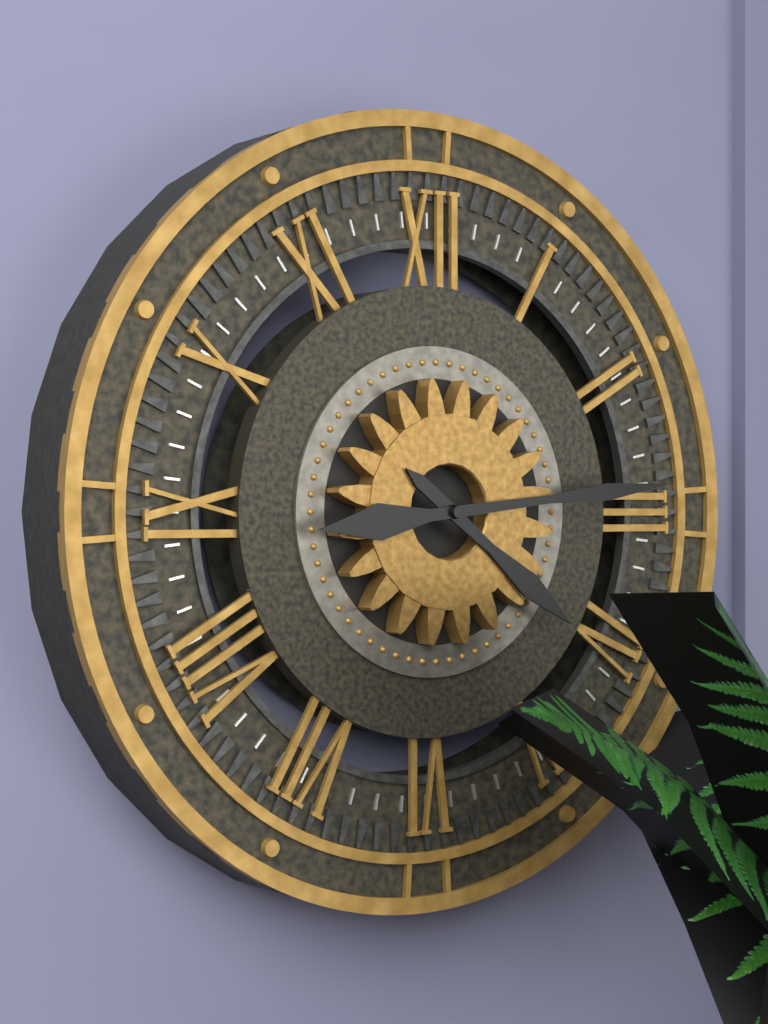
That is 4.14
